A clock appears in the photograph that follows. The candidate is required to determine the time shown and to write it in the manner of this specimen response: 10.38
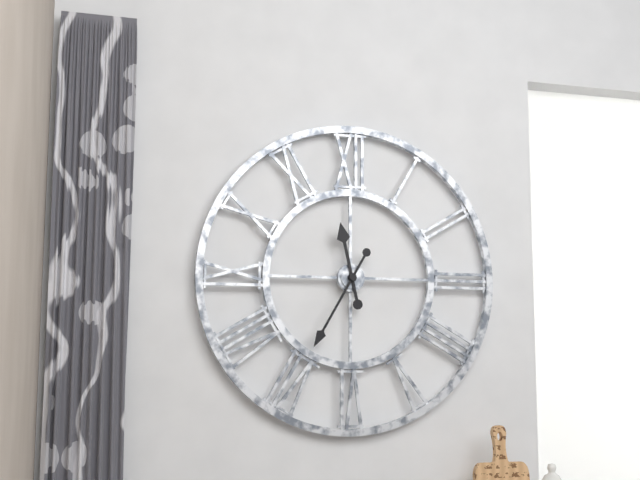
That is 11.35
